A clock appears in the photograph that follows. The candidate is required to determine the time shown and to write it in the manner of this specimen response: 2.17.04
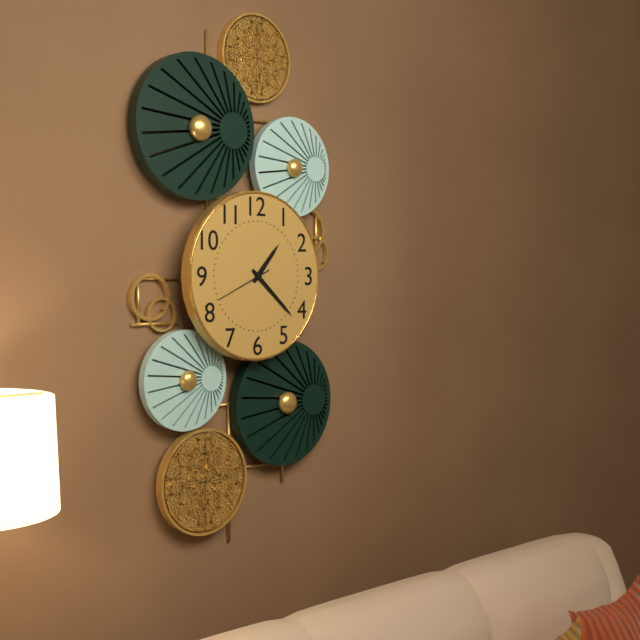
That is 1.22.41
